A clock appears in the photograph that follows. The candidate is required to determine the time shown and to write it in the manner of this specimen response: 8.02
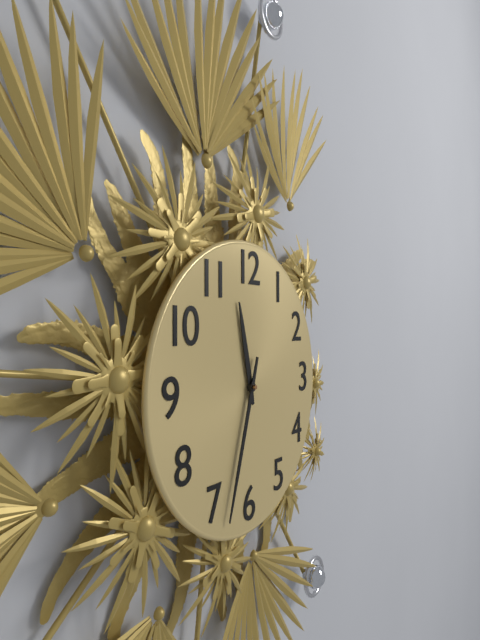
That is 11.33
